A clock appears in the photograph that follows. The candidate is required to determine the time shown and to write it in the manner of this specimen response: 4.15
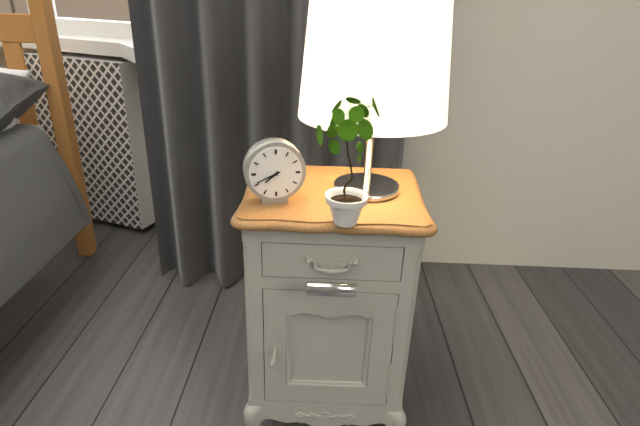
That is 7.41
